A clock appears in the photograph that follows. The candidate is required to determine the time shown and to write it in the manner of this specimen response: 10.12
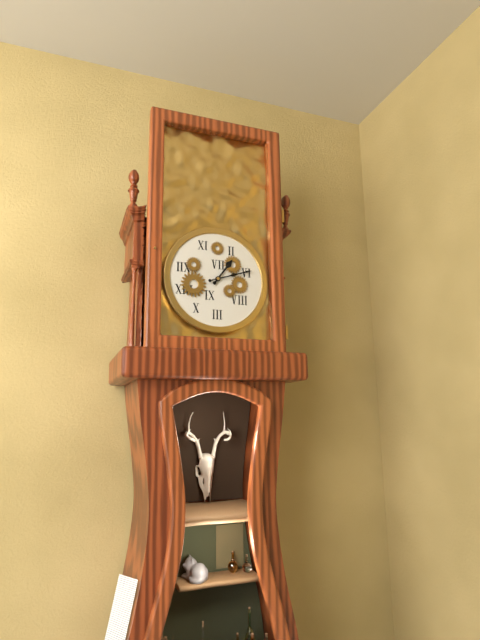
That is 1.12
